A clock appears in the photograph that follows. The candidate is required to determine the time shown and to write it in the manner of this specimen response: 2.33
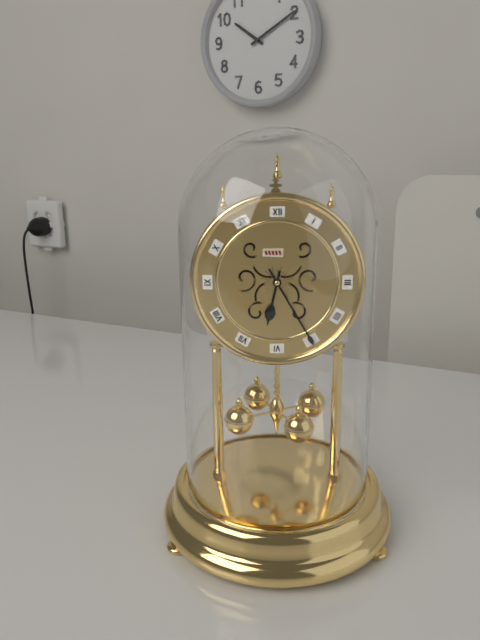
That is 6.25
